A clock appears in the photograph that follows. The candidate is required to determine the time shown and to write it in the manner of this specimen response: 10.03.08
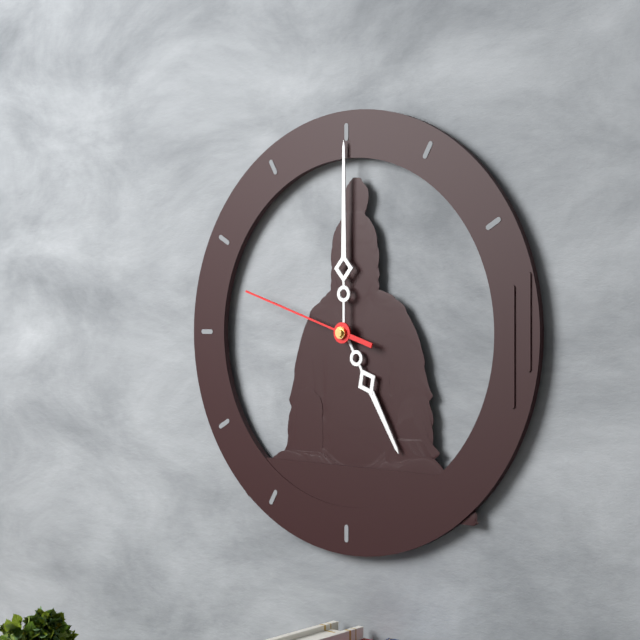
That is 5.00.48
